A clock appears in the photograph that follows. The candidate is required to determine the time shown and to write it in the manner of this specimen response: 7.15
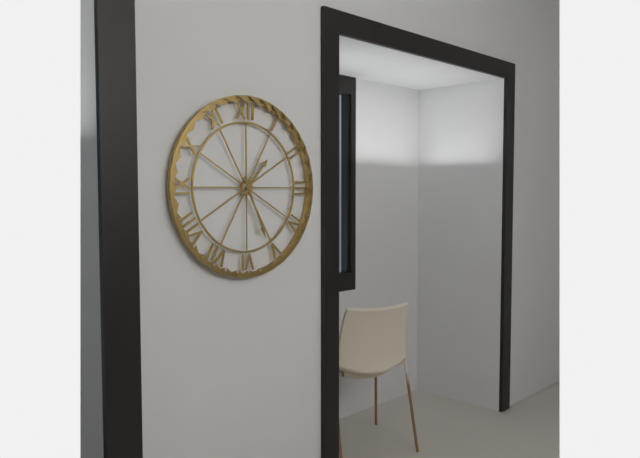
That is 1.26
